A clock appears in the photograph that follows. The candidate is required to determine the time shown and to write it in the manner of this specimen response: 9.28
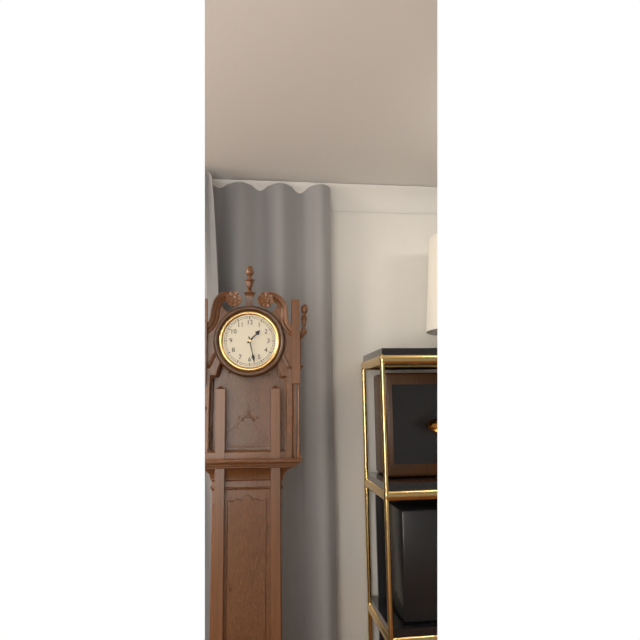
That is 1.28
